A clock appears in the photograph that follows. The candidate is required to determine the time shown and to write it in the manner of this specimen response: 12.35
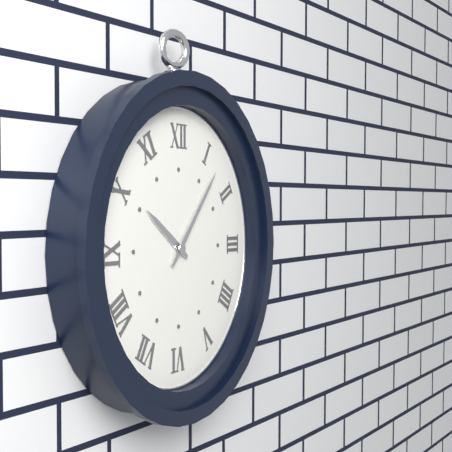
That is 10.07
